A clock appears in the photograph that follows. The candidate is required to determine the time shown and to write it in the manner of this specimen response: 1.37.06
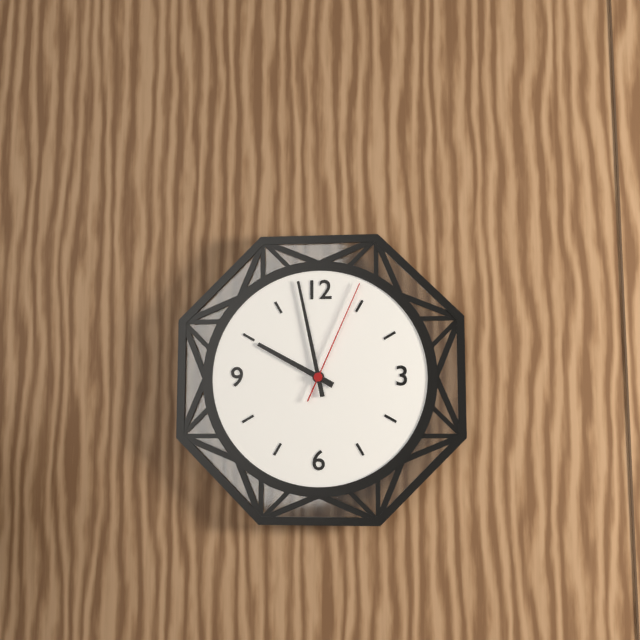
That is 9.58.04
